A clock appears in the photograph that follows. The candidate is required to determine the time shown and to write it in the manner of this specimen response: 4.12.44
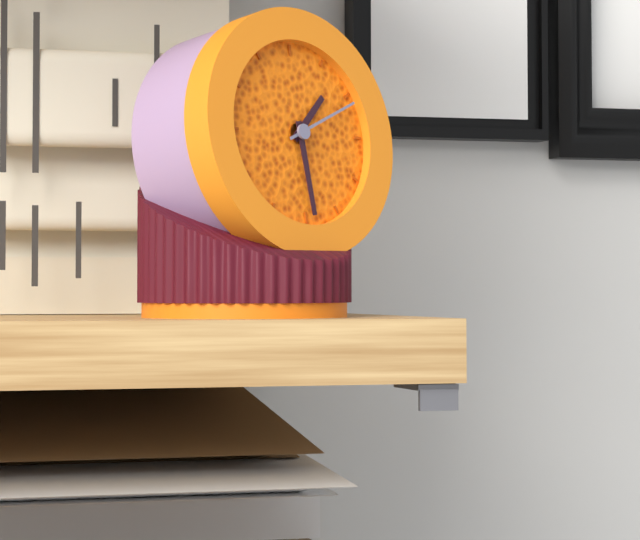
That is 1.29.11
